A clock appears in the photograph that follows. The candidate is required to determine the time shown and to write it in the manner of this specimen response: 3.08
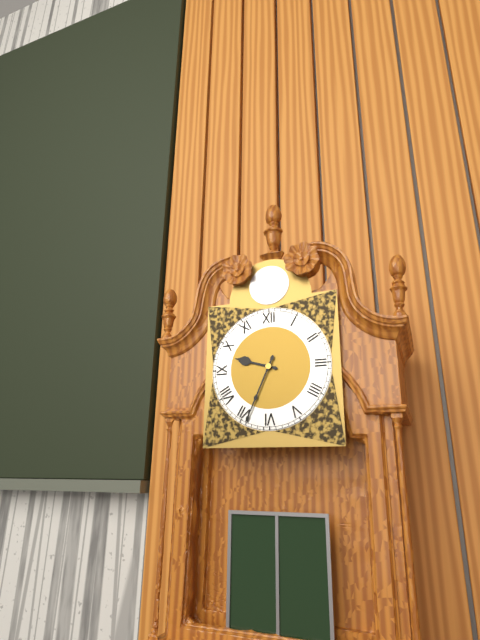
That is 9.34
